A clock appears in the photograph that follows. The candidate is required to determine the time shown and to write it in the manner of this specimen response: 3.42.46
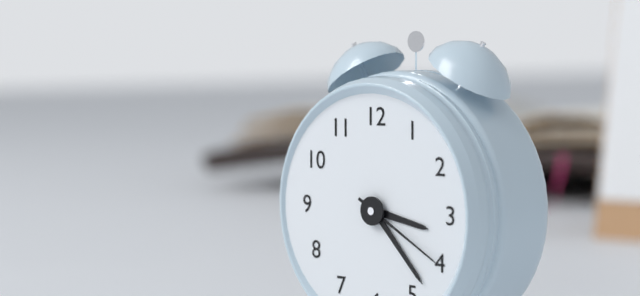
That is 3.23.20
